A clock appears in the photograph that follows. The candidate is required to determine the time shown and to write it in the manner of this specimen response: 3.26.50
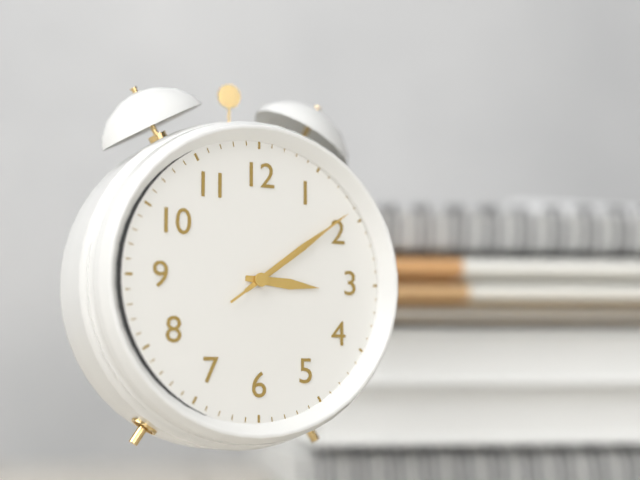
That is 3.09.09
